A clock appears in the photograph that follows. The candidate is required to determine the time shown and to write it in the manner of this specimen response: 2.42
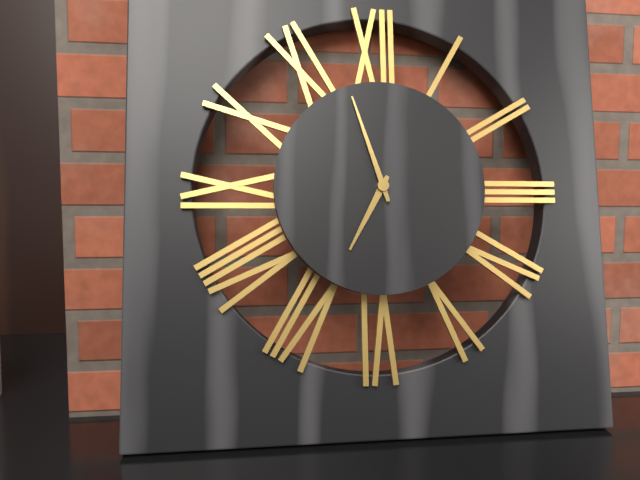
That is 6.57
